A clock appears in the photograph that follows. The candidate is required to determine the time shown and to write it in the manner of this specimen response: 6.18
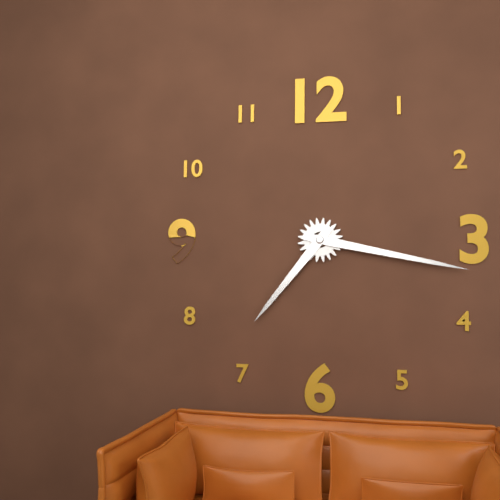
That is 7.17
